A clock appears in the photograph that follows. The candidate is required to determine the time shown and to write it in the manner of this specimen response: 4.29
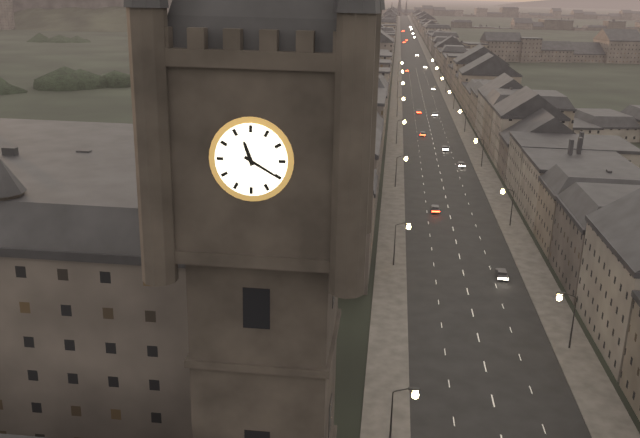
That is 11.20
